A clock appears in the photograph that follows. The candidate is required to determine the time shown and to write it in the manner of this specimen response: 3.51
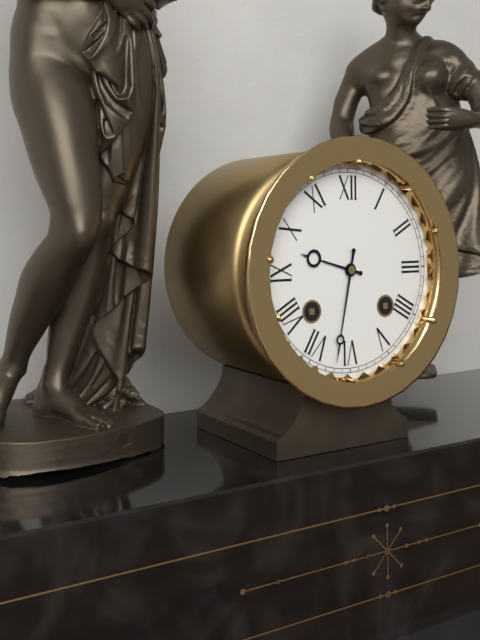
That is 9.32
